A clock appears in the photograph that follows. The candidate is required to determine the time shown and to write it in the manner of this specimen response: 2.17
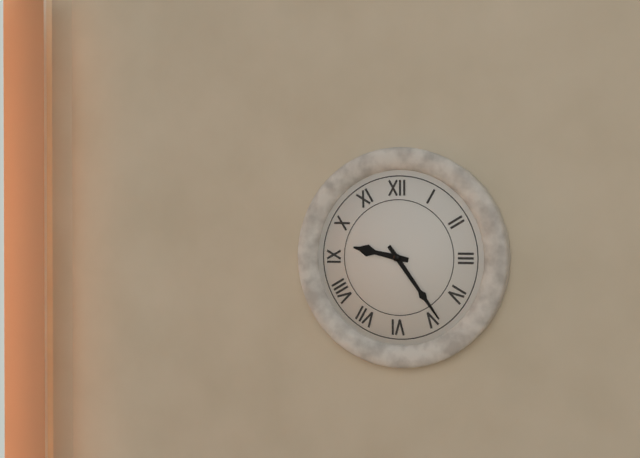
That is 9.24
